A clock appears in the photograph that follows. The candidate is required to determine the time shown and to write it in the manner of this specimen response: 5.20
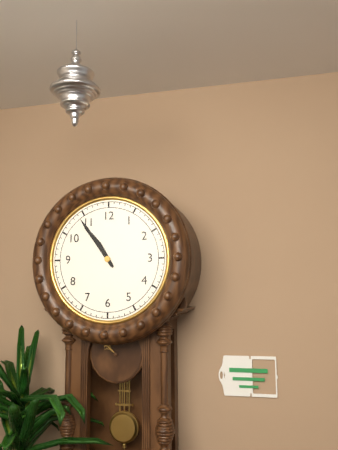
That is 10.54
